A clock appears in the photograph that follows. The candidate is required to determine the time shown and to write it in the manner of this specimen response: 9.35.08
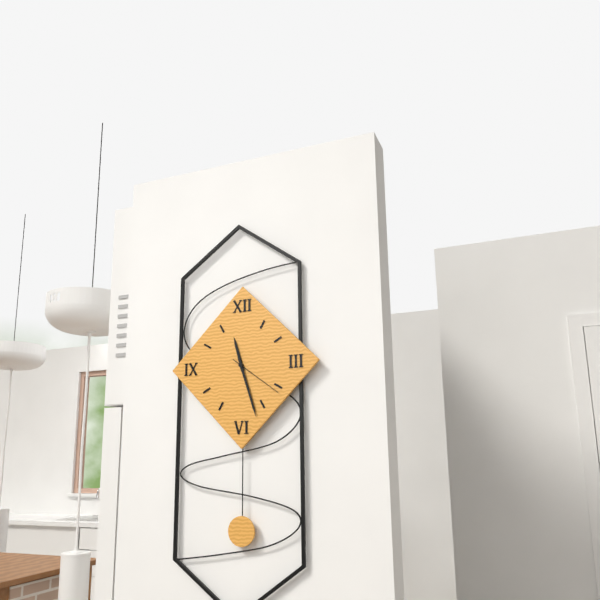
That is 11.27.21
